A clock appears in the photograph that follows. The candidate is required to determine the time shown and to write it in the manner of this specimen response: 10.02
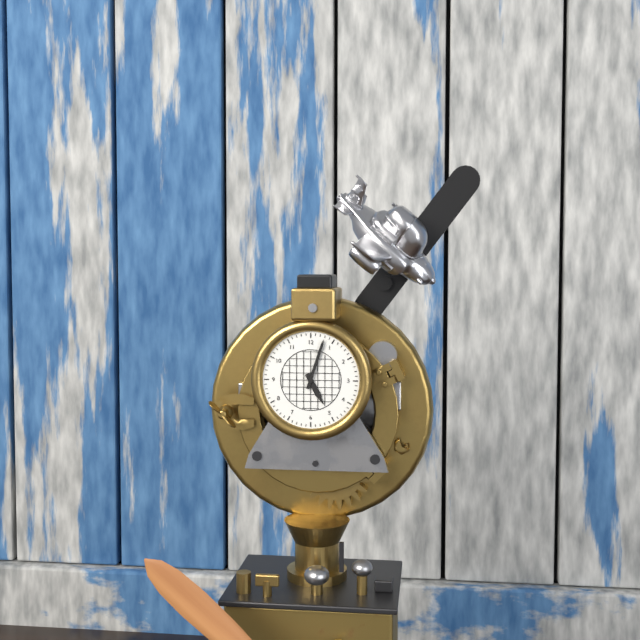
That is 5.03
